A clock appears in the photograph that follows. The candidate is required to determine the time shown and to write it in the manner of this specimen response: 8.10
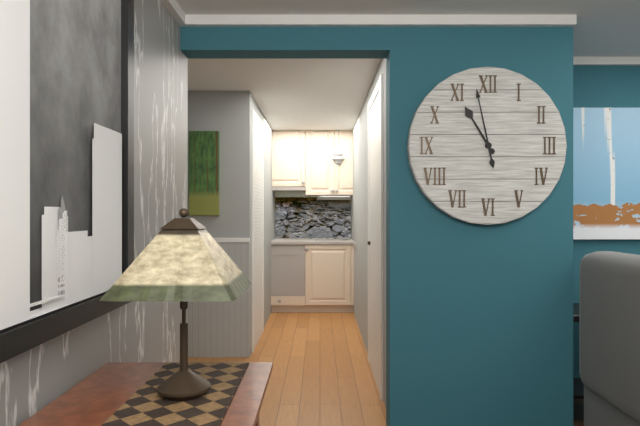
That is 10.58
